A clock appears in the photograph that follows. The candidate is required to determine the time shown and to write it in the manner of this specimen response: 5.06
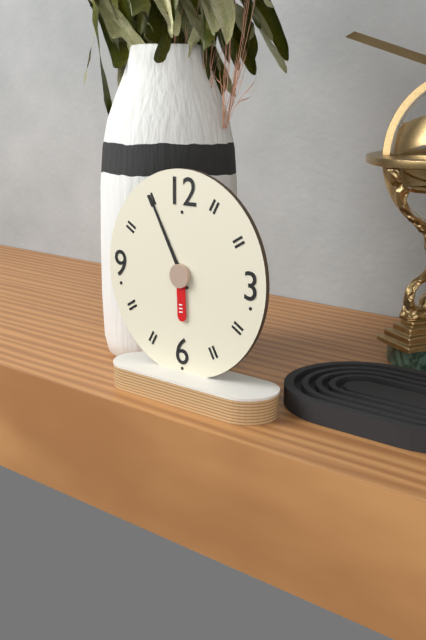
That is 5.55
